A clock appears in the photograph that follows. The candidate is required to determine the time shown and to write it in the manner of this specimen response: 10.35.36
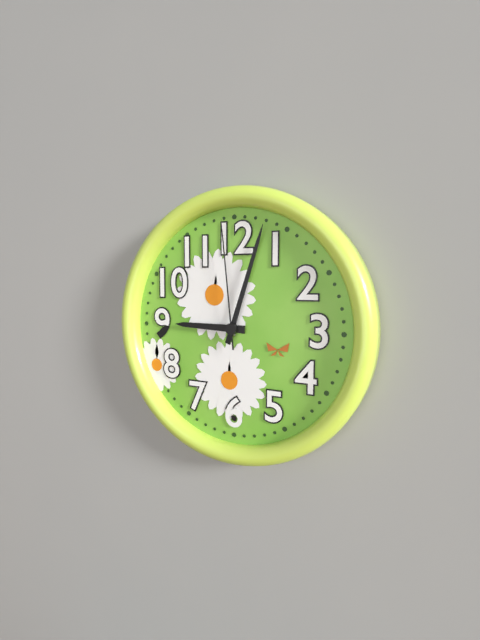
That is 9.03.59
